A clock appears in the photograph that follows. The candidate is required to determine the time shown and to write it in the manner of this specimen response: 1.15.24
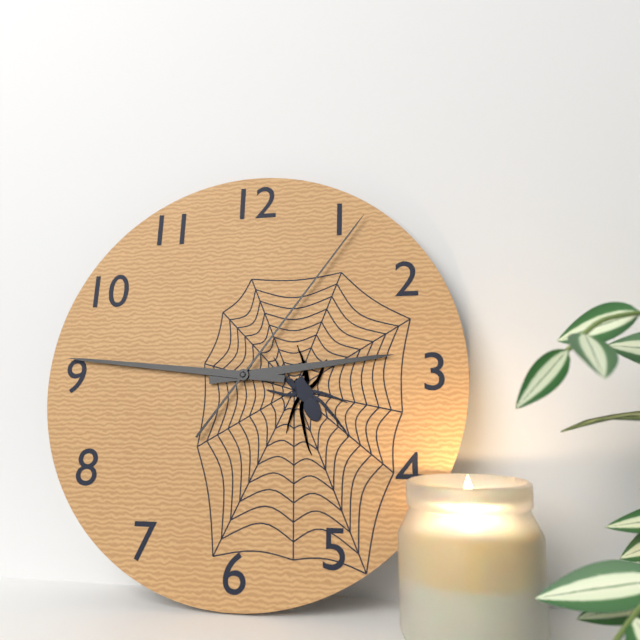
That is 2.46.06
